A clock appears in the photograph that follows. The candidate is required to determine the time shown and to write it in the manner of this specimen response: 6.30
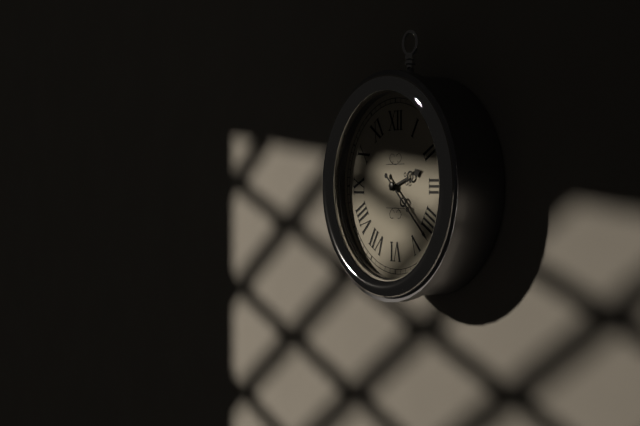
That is 2.22
